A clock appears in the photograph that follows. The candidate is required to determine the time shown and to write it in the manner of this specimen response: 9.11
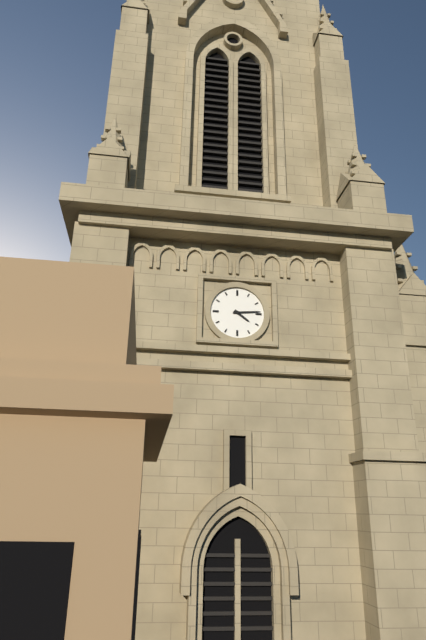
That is 4.14
